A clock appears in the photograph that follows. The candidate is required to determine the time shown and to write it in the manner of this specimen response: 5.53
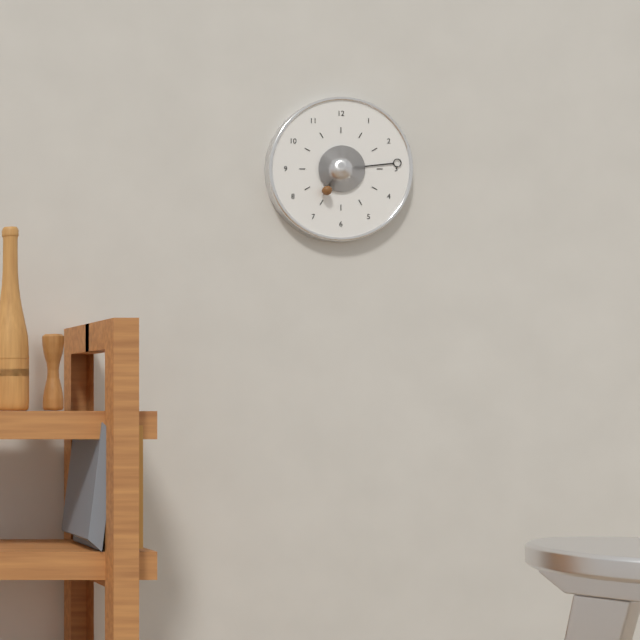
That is 7.14
